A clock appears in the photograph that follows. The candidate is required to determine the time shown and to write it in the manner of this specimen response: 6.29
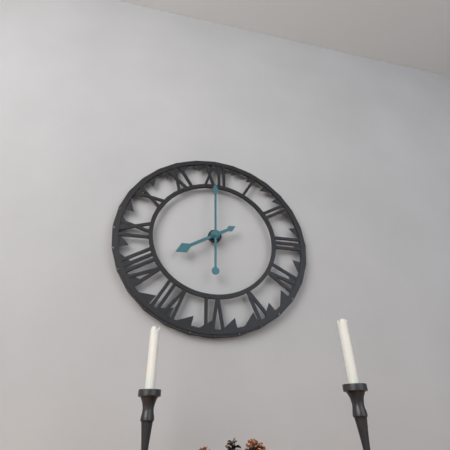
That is 8.00
